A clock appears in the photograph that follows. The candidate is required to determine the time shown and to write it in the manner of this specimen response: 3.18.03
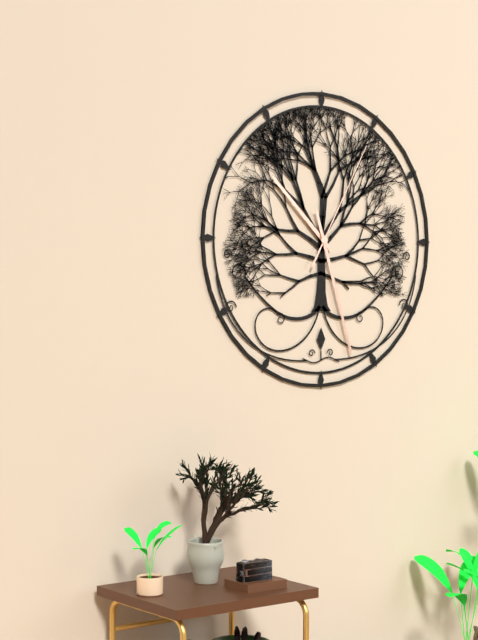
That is 10.27.05
